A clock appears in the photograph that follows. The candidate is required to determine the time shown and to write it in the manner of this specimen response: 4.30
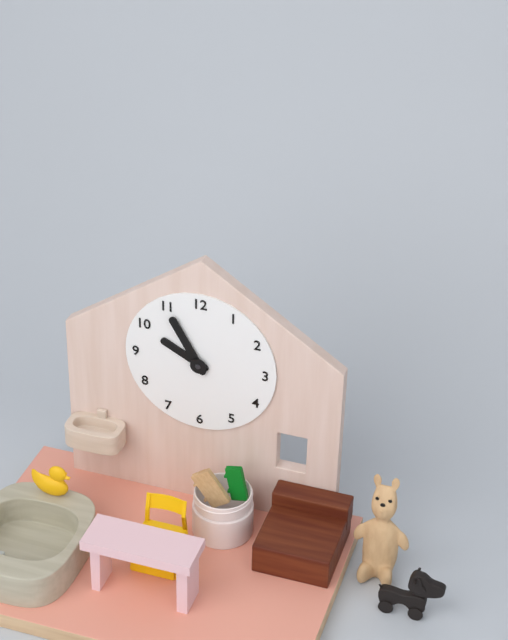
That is 9.55
